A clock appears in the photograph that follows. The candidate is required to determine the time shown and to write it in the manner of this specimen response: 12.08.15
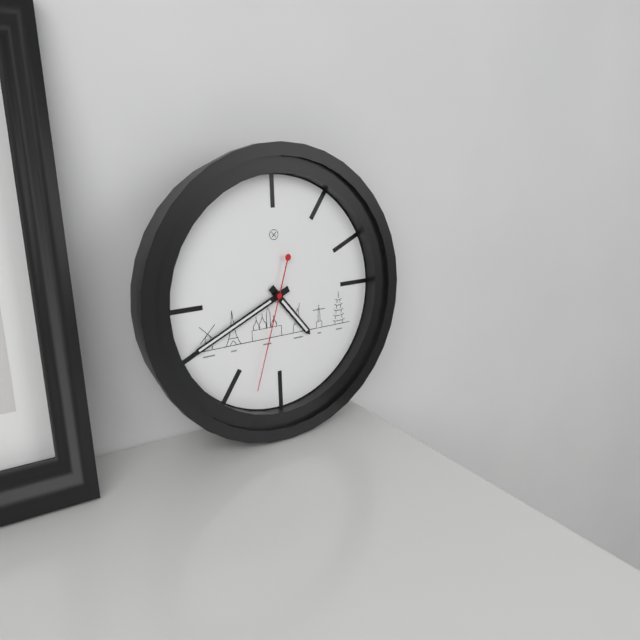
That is 4.41.33
